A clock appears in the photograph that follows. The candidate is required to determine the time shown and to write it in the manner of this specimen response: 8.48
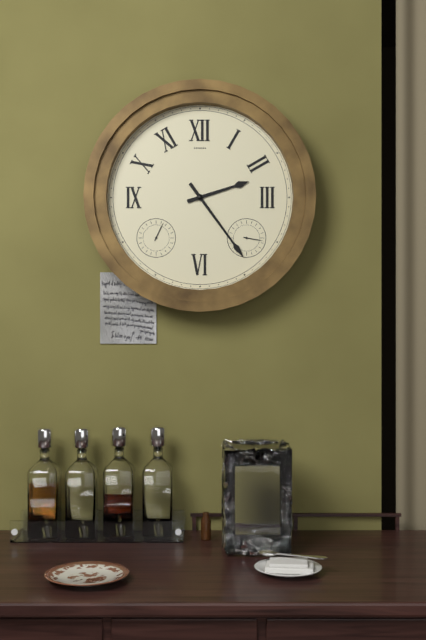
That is 2.24
